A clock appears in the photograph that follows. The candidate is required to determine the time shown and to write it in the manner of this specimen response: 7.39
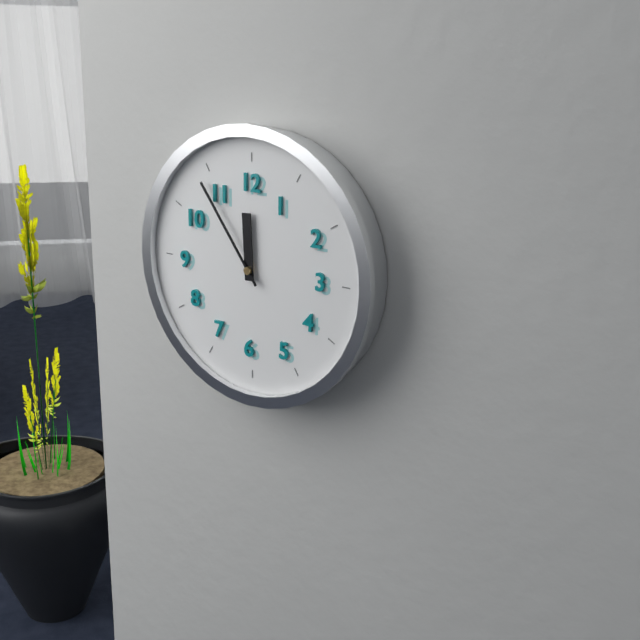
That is 11.54
